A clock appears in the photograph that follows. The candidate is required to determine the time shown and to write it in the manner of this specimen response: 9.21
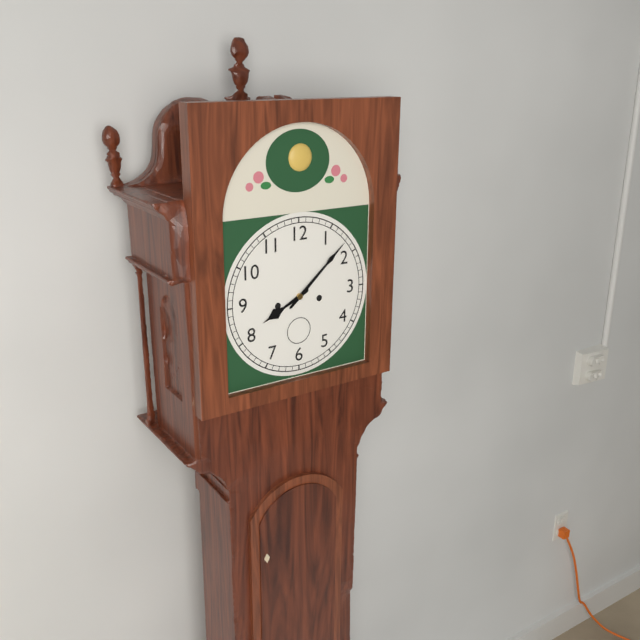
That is 8.08
